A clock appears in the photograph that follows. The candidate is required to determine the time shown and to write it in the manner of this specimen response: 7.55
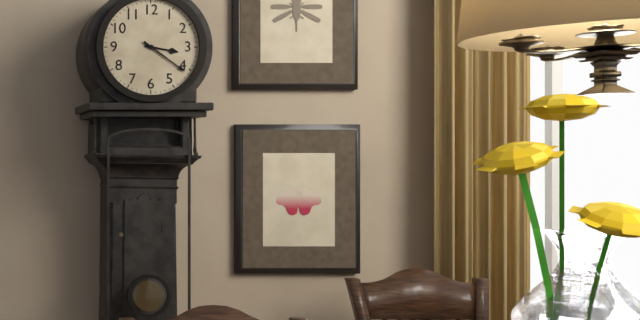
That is 3.21
